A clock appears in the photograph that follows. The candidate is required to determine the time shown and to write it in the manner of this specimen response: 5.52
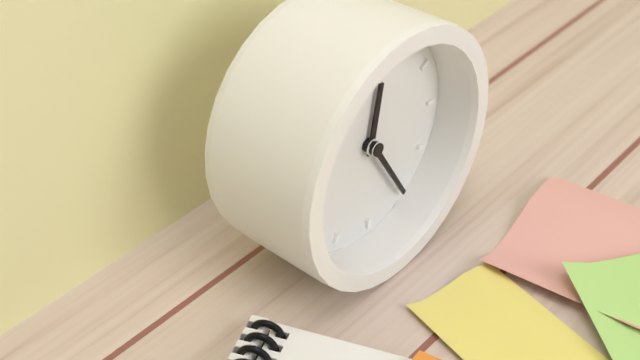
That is 12.25
